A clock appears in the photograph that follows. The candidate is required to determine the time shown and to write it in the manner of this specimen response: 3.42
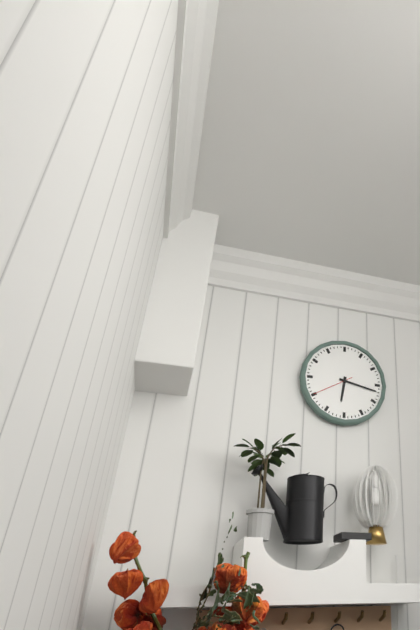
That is 6.17
